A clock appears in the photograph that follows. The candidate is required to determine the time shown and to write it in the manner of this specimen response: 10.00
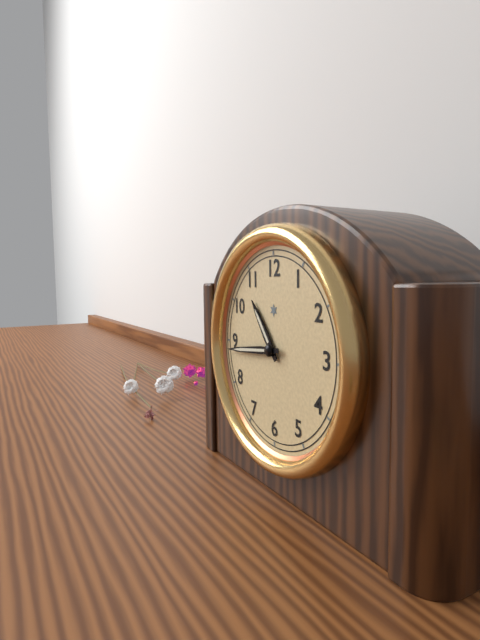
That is 10.44
